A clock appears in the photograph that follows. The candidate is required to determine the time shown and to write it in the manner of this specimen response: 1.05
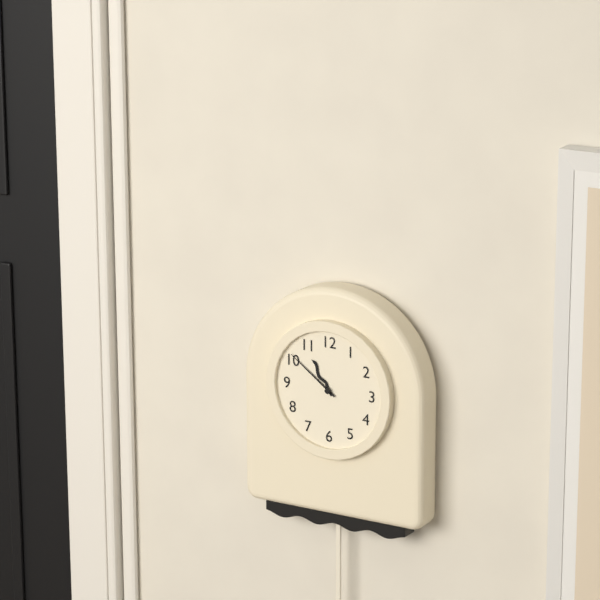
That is 10.51
